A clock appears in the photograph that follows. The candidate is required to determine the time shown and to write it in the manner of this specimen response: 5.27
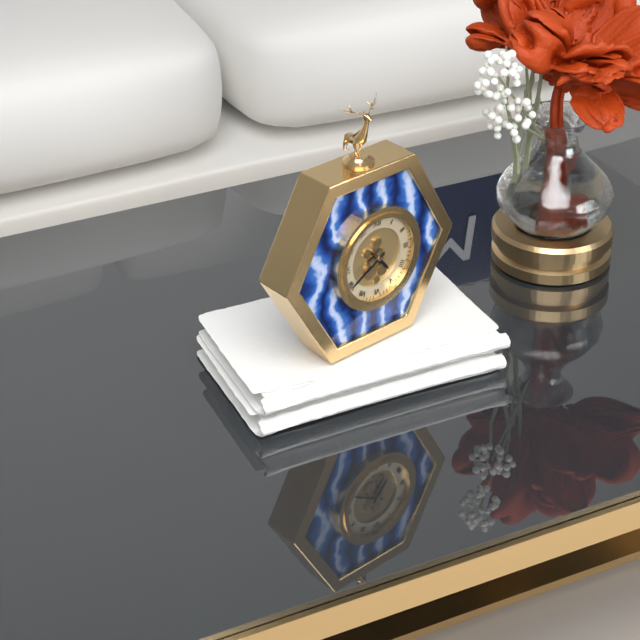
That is 4.40
